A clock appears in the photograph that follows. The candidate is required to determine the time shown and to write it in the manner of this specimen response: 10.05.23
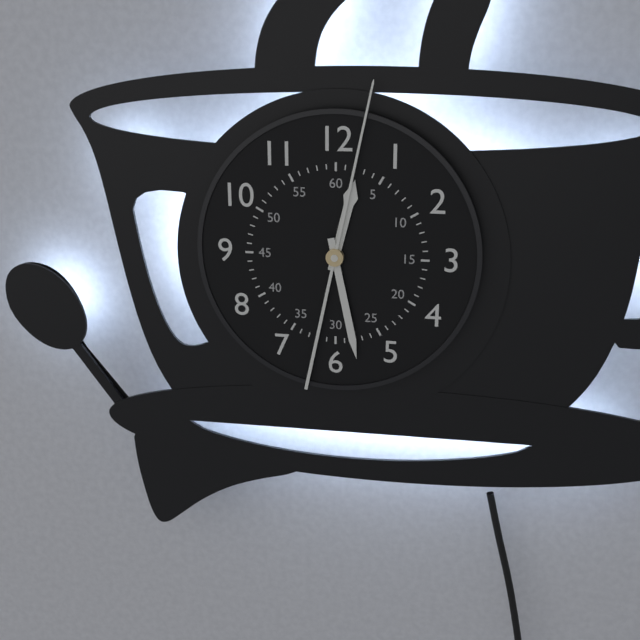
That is 12.28.02
